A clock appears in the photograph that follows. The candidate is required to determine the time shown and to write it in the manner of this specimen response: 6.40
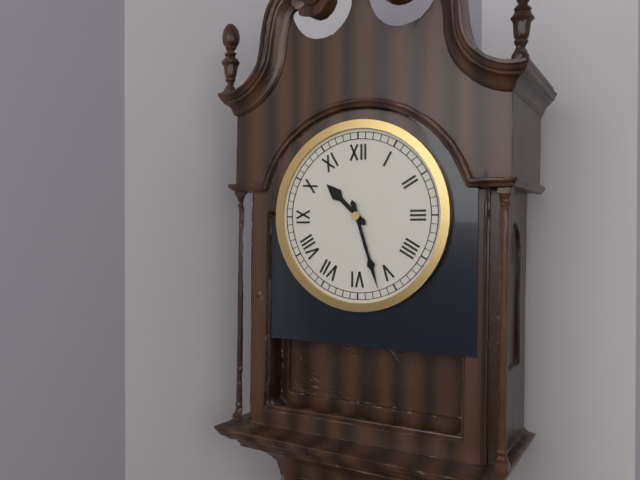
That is 10.27
